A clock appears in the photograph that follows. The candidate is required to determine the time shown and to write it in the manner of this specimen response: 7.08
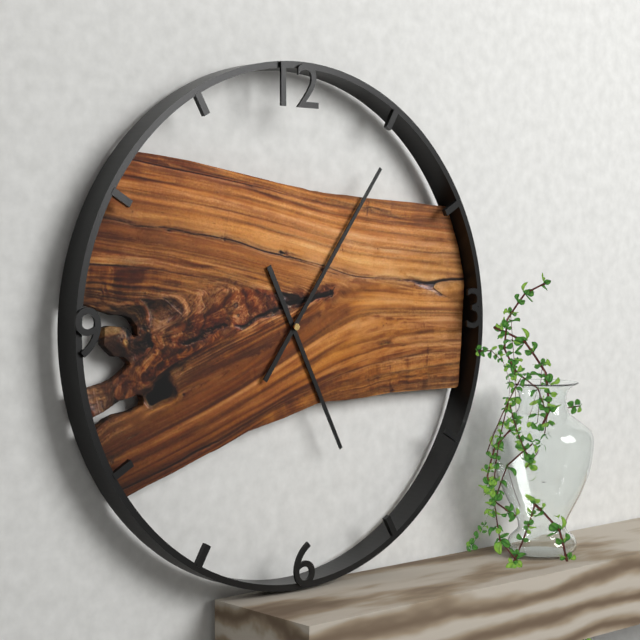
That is 5.06
